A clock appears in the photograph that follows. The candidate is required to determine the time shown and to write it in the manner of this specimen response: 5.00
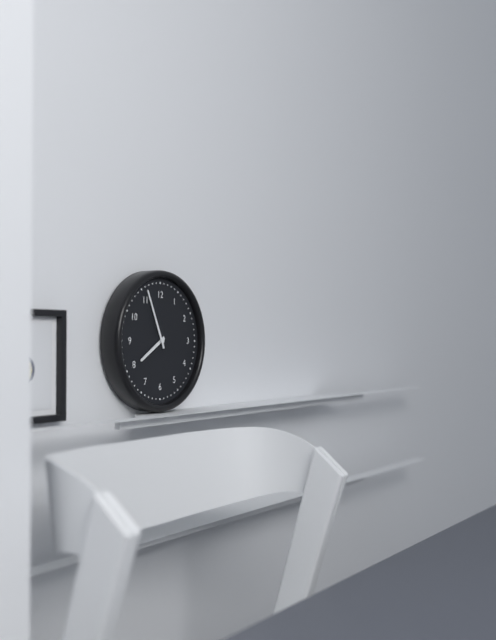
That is 7.56
